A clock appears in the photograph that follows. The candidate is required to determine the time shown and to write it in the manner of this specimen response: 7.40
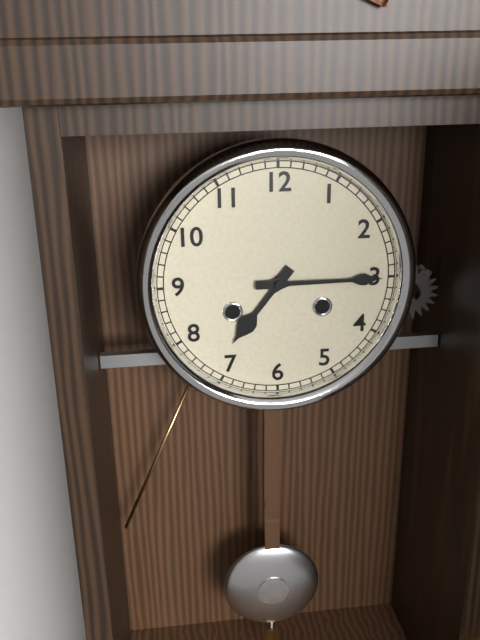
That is 7.15
